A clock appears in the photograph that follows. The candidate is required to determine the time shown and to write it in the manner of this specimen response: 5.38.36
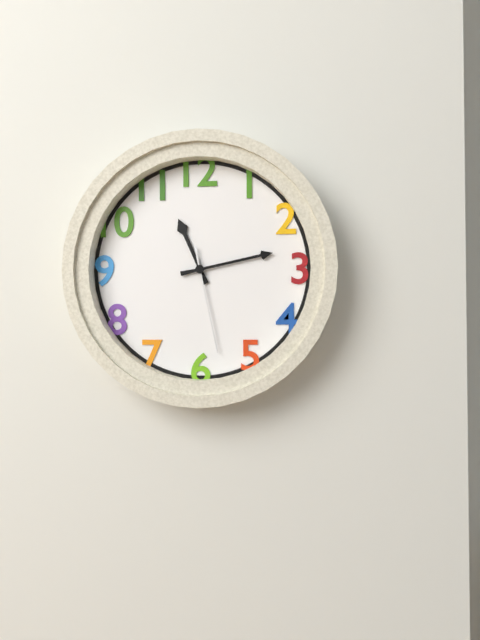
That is 11.13.28
